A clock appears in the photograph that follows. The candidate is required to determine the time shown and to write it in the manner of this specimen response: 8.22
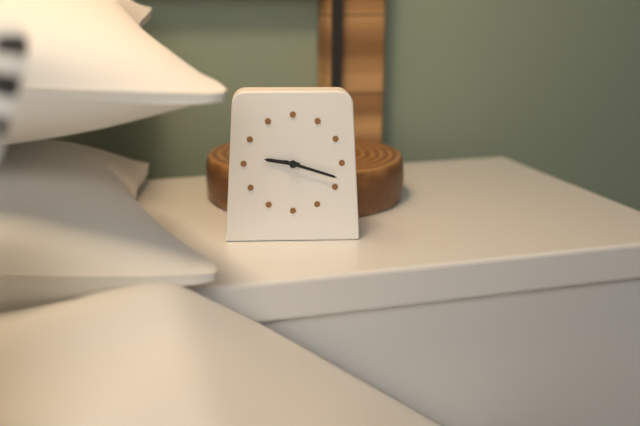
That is 9.18
